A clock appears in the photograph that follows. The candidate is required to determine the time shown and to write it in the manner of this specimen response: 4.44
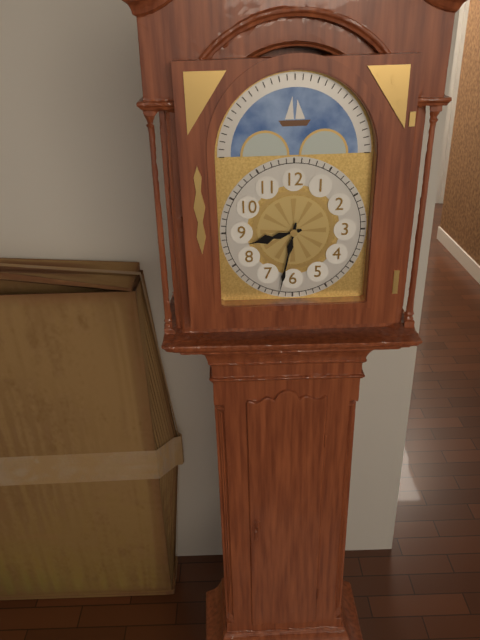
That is 8.32
